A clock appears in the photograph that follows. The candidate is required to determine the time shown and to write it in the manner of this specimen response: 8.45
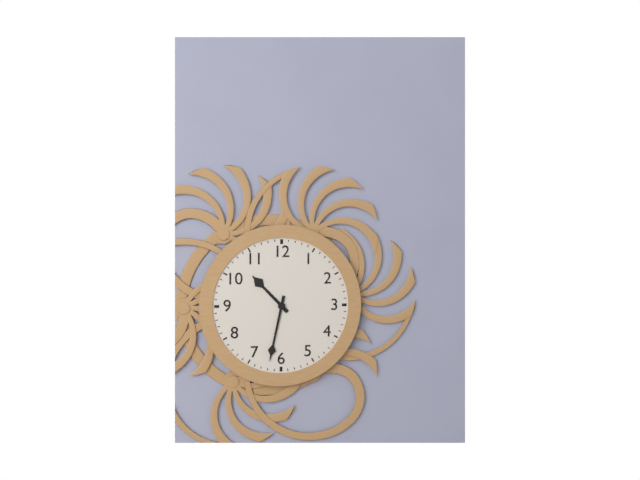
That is 10.32
